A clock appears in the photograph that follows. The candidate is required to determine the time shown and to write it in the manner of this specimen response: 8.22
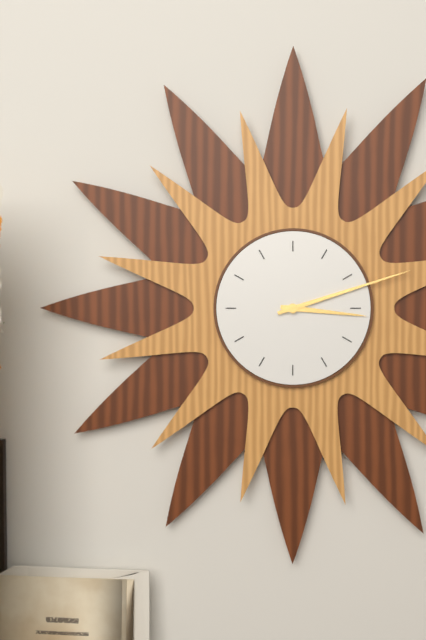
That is 3.12
